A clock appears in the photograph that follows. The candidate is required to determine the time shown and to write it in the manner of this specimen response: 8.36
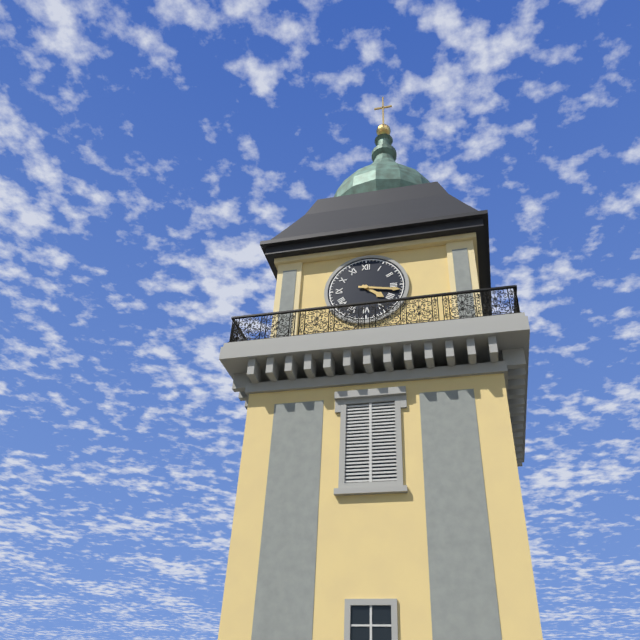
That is 4.17
